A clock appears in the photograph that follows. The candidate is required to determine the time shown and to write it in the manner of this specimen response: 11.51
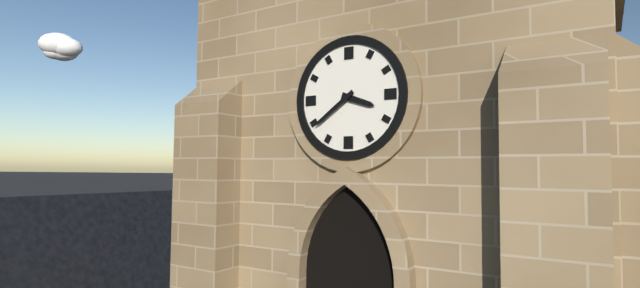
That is 3.39
